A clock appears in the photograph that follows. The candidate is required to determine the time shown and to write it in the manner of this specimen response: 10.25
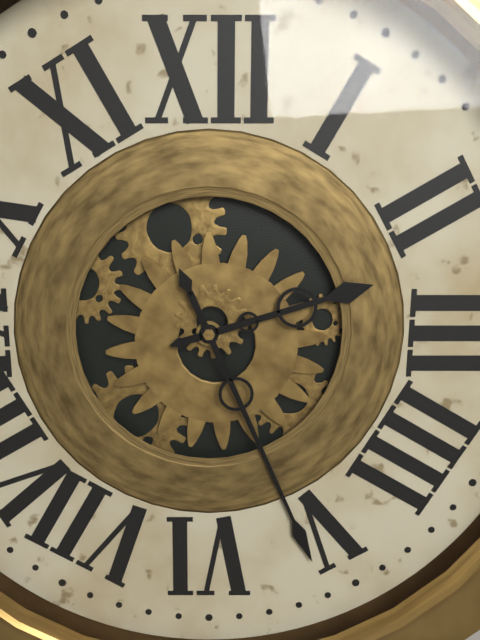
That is 2.26
